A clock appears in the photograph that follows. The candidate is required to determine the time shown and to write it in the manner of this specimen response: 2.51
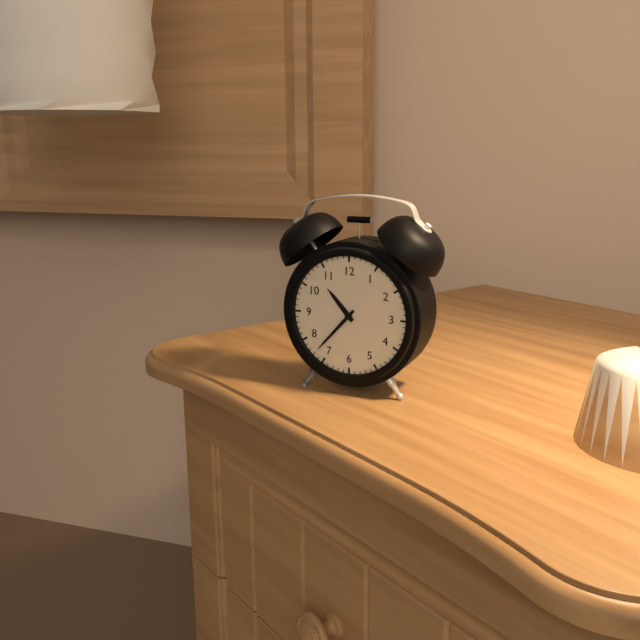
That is 10.37
